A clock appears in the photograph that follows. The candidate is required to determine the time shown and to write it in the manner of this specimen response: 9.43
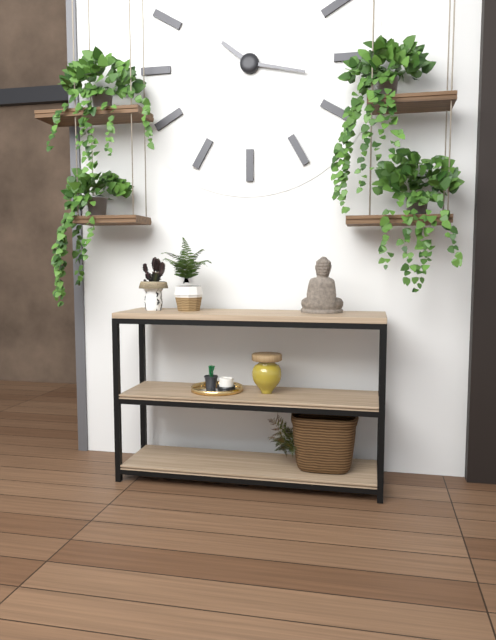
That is 10.17
